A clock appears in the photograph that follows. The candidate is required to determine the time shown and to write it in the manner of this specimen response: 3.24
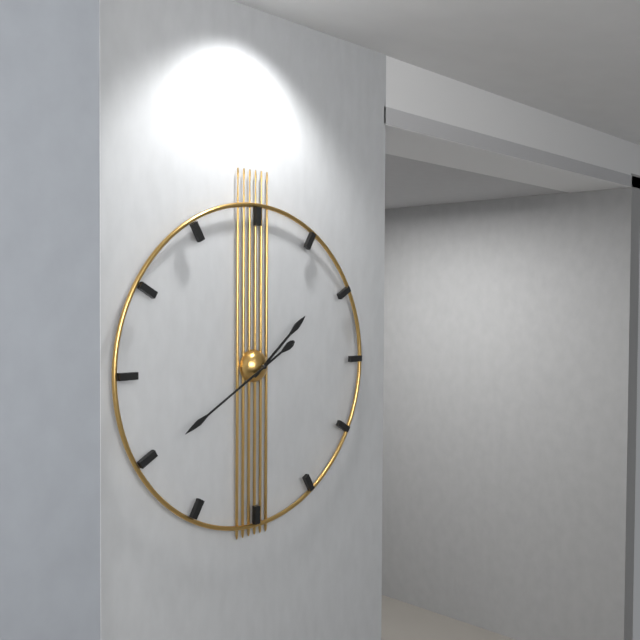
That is 1.40
